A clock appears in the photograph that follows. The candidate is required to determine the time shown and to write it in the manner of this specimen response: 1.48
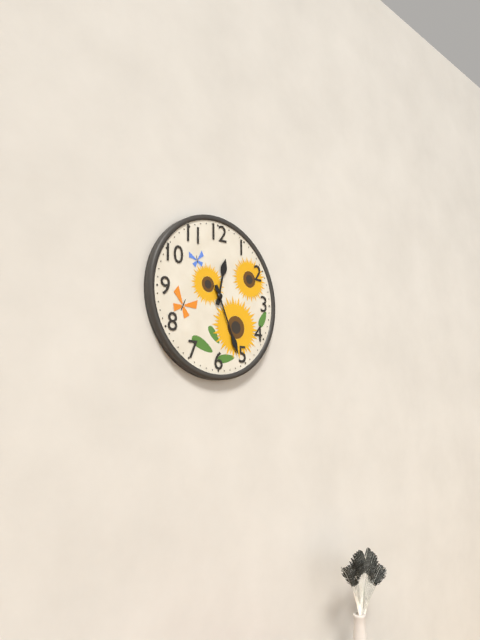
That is 12.26
